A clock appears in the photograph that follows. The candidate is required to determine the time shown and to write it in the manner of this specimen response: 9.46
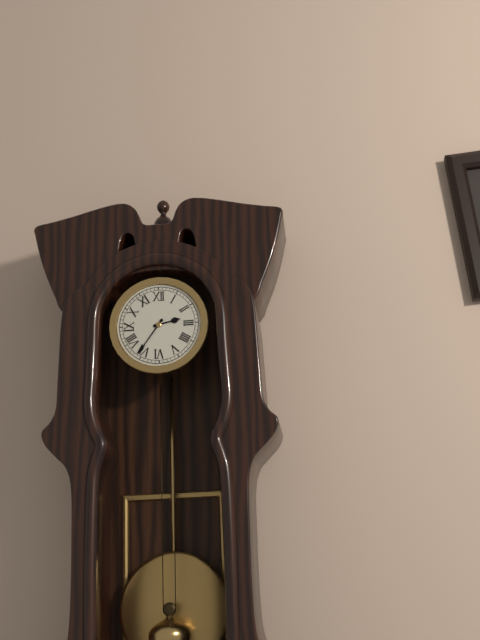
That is 2.36
